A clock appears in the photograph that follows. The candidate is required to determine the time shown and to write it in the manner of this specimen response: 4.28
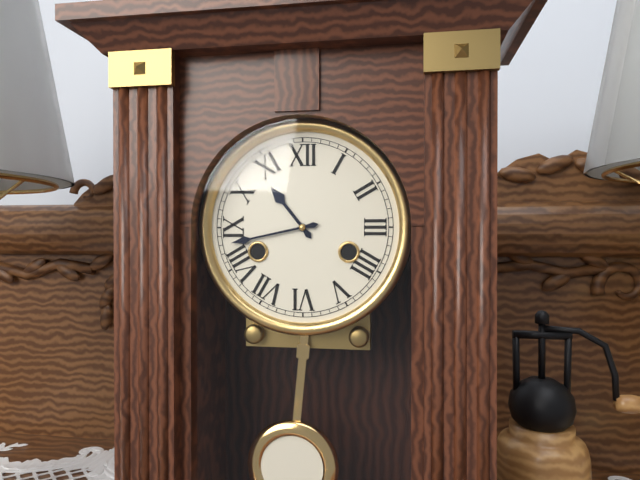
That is 10.43
